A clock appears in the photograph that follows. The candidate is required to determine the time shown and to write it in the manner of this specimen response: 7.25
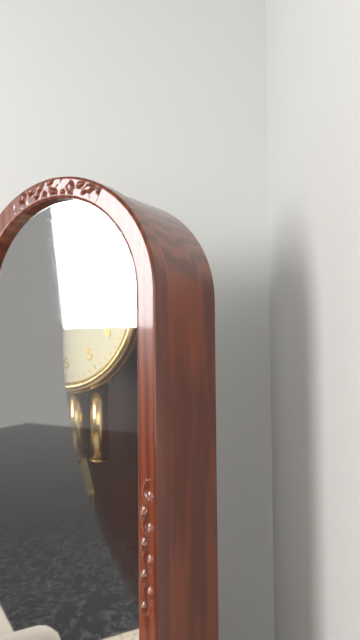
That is 3.46
